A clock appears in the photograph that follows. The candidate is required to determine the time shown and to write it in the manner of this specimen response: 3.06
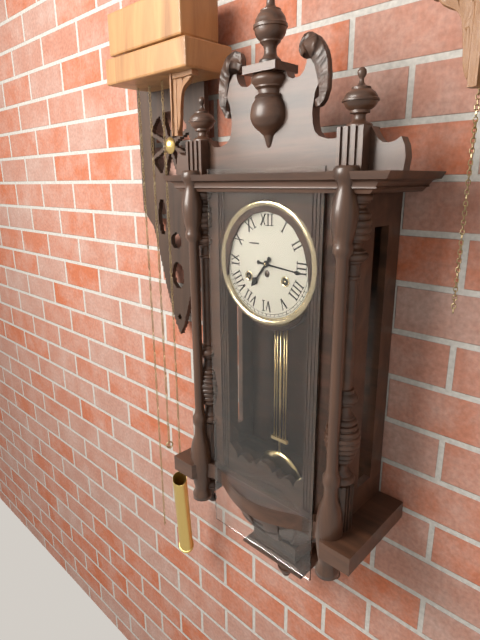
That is 7.16
